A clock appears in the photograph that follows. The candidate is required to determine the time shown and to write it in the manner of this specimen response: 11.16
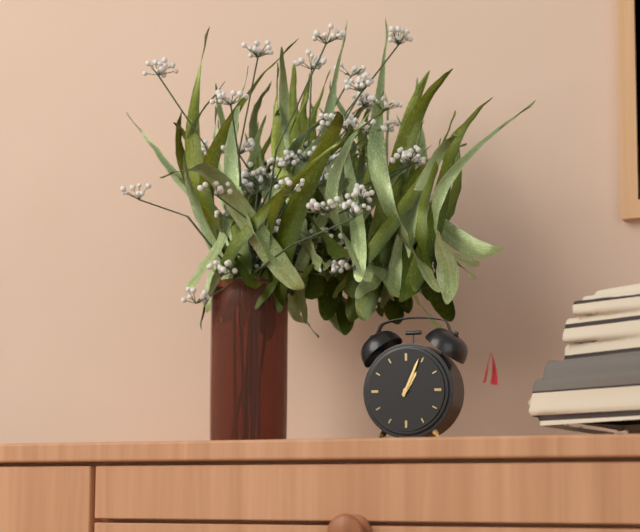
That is 1.04
